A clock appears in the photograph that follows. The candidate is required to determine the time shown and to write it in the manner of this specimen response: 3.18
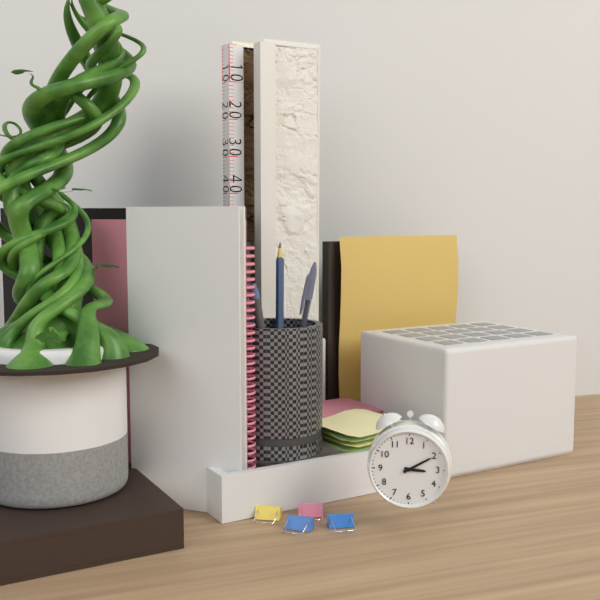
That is 3.10
